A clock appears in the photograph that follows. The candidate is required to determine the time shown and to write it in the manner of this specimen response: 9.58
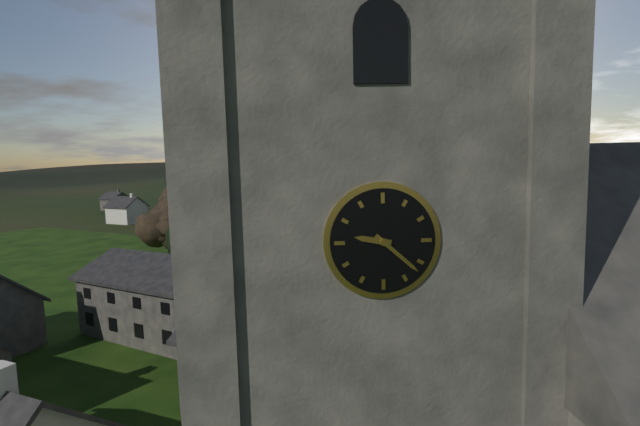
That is 9.22
